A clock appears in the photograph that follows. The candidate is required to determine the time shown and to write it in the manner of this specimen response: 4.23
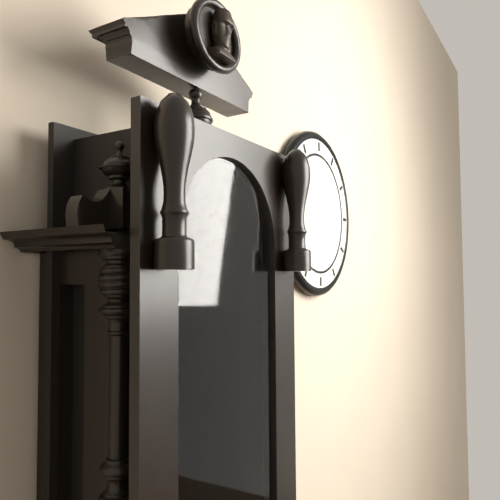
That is 2.32
